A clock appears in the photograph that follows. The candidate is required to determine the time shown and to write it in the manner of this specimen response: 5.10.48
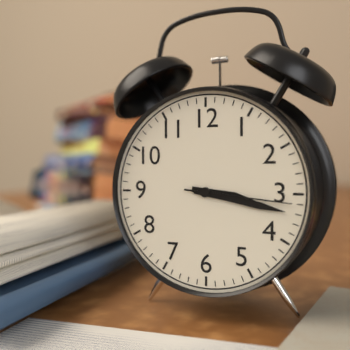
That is 3.17.16
